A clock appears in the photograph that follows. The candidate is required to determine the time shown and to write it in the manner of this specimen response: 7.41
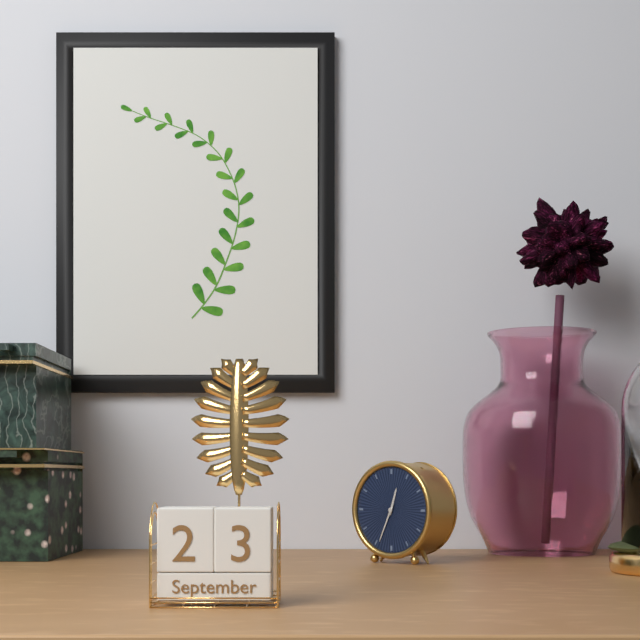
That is 12.34
